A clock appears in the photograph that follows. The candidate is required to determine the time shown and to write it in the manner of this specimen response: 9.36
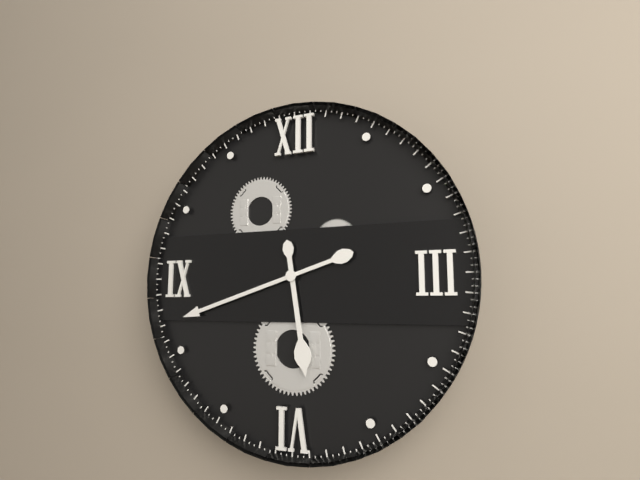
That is 5.42
